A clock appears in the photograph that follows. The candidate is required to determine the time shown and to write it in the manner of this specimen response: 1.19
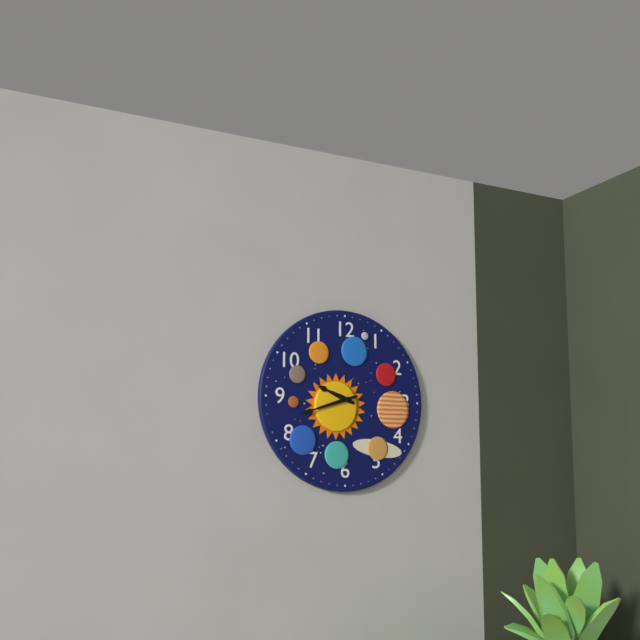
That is 9.42
